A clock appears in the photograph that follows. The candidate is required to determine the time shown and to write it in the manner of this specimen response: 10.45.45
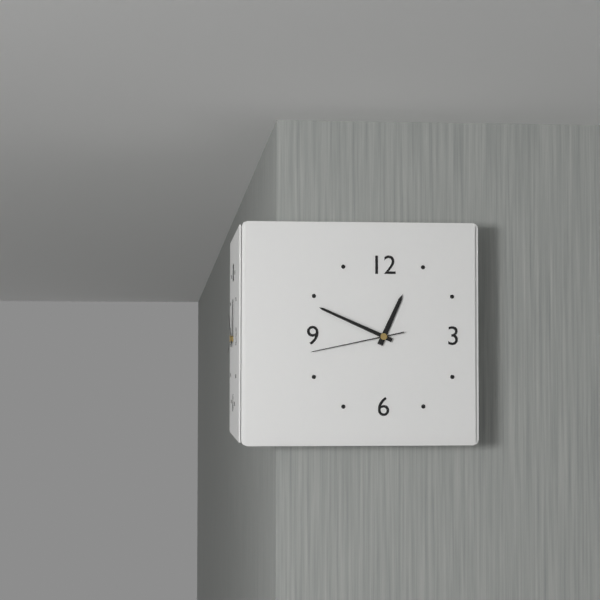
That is 12.49.43
